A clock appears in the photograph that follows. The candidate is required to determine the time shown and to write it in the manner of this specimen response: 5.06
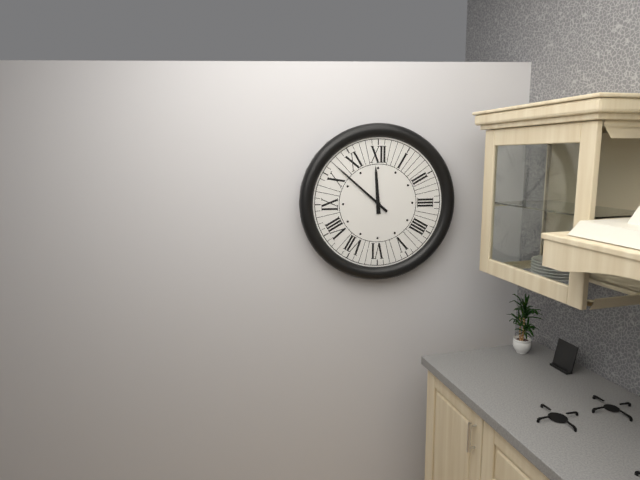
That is 11.52
